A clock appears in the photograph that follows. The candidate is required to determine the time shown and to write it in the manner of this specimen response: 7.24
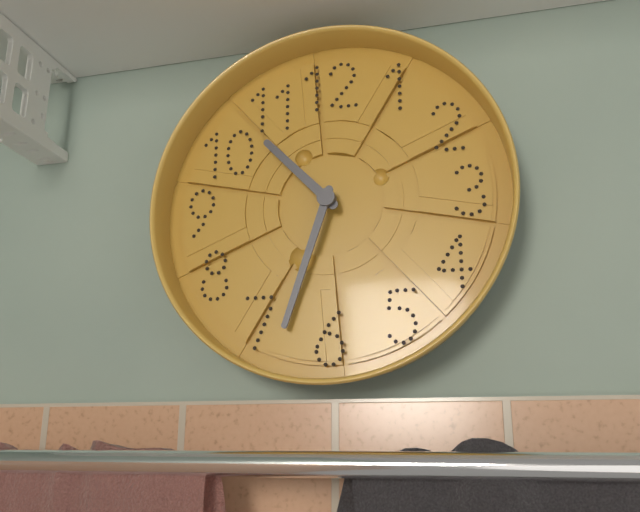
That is 10.33
